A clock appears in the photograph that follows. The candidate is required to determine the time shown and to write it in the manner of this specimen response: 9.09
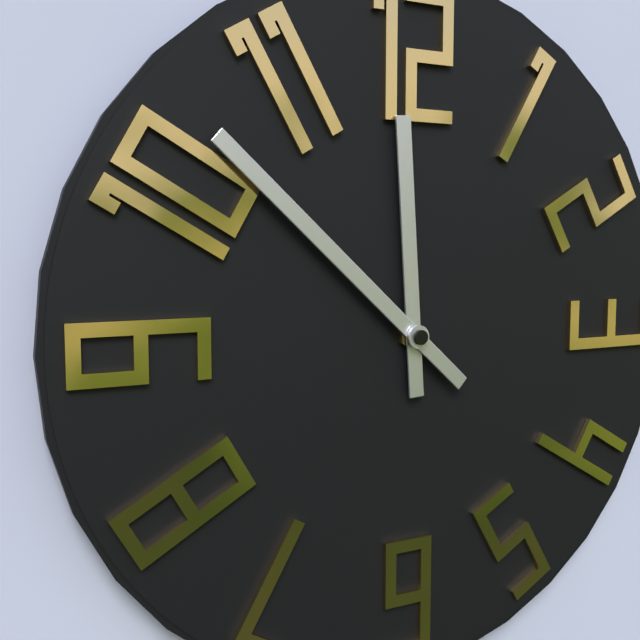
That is 11.52
